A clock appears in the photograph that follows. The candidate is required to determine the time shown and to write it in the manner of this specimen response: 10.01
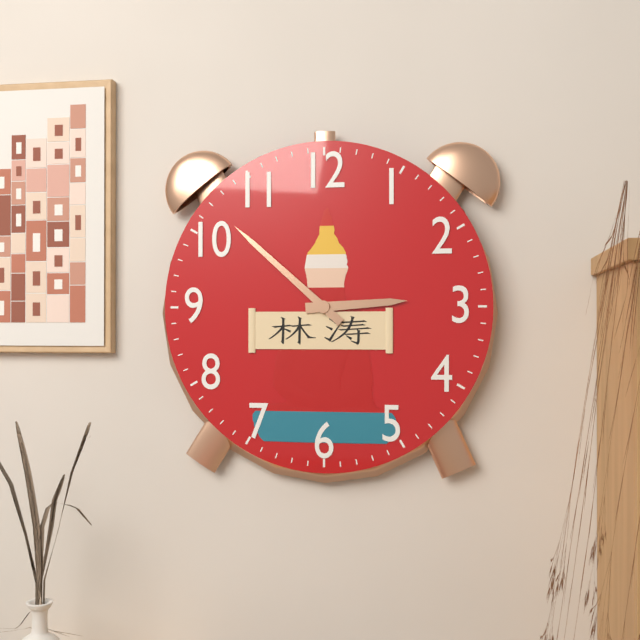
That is 2.52
